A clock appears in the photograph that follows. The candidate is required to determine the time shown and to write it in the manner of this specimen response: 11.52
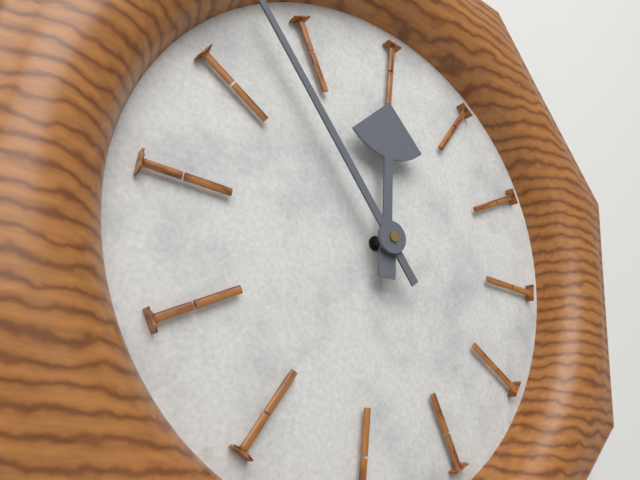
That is 11.53
